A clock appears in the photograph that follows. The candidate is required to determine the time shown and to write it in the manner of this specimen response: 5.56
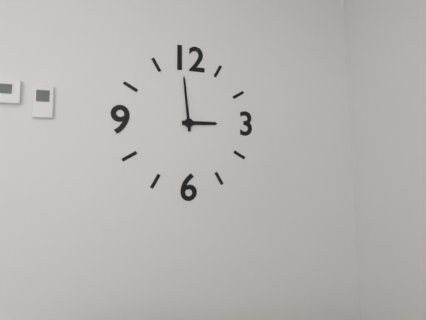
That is 2.59
